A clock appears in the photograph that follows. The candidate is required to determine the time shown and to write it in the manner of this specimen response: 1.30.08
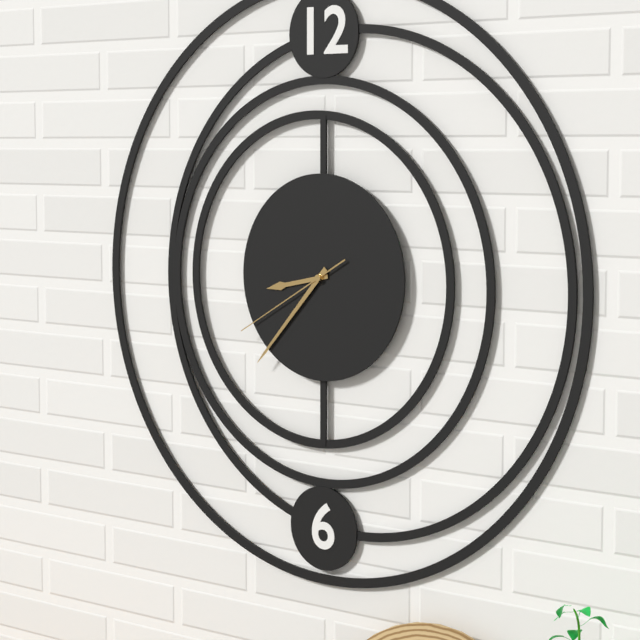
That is 8.37.40
